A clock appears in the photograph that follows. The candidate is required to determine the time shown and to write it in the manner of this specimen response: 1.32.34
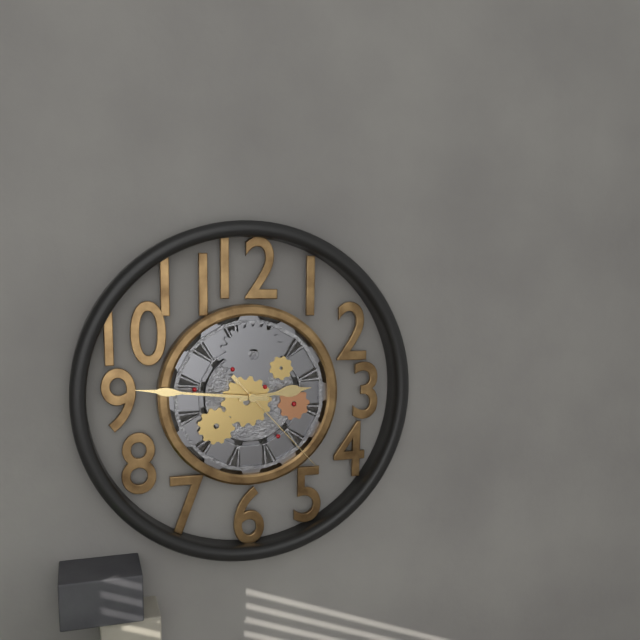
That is 2.46.23
